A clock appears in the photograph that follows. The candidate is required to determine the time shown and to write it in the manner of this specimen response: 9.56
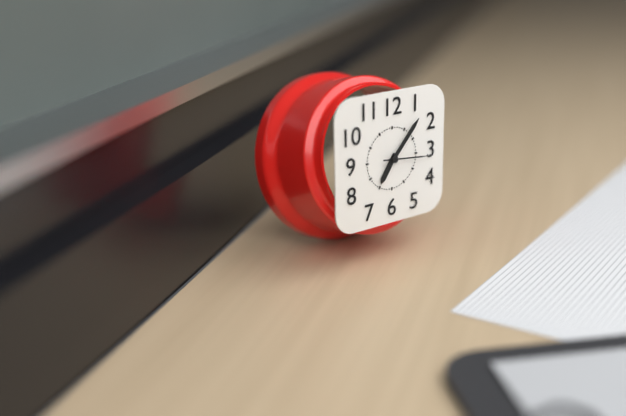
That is 7.07
